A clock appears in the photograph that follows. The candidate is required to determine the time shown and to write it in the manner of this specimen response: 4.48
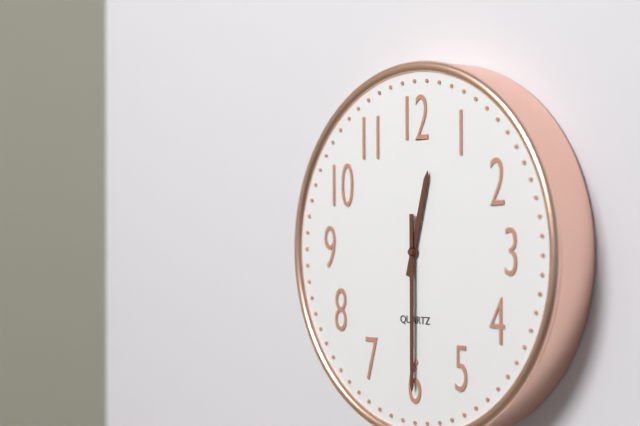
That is 12.30
